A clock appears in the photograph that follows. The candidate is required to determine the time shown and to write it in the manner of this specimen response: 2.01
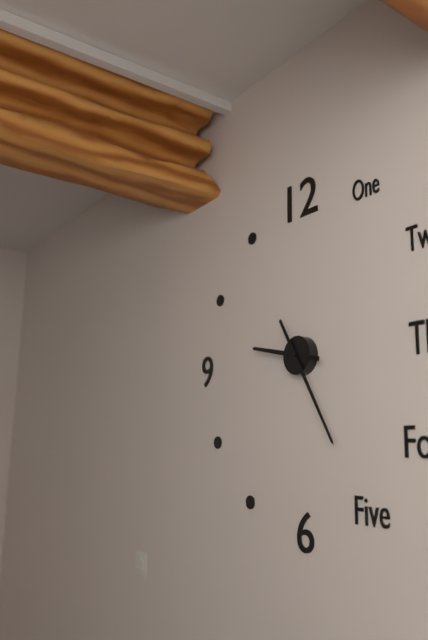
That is 9.25
